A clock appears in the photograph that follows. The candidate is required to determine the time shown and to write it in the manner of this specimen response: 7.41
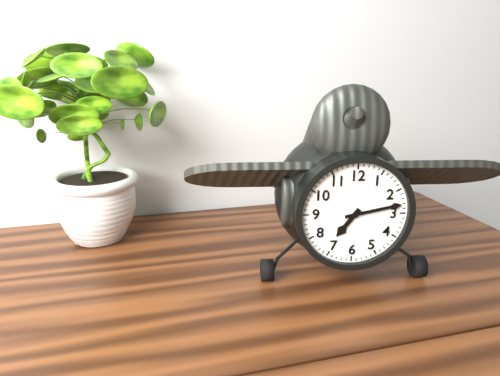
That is 7.13
